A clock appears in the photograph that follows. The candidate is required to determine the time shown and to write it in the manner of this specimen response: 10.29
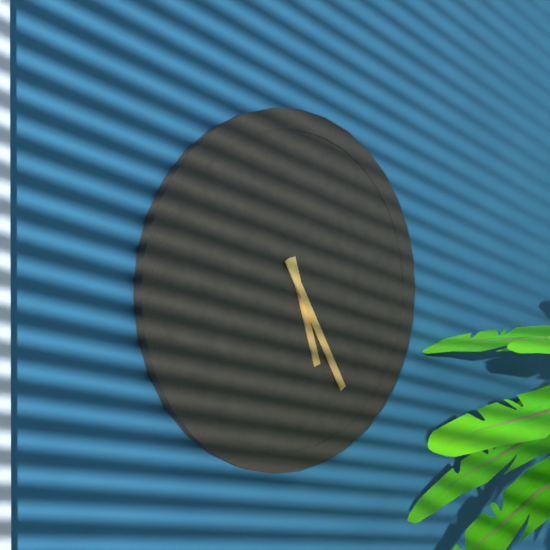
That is 5.25
